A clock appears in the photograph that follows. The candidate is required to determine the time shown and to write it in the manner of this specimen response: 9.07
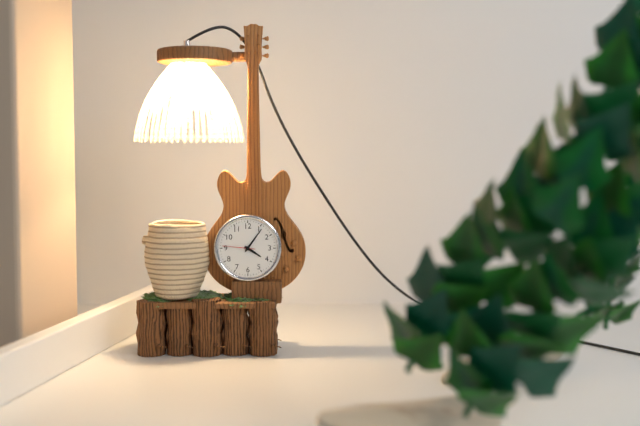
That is 4.06
